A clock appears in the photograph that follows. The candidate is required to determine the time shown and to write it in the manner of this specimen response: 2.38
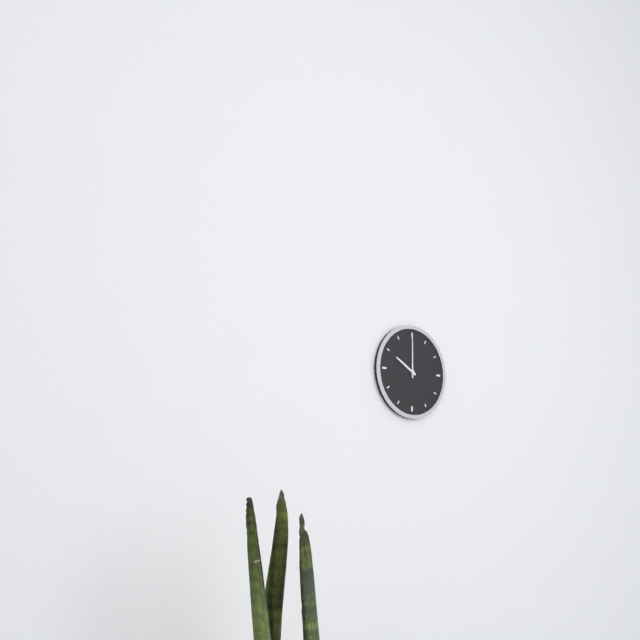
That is 10.00
